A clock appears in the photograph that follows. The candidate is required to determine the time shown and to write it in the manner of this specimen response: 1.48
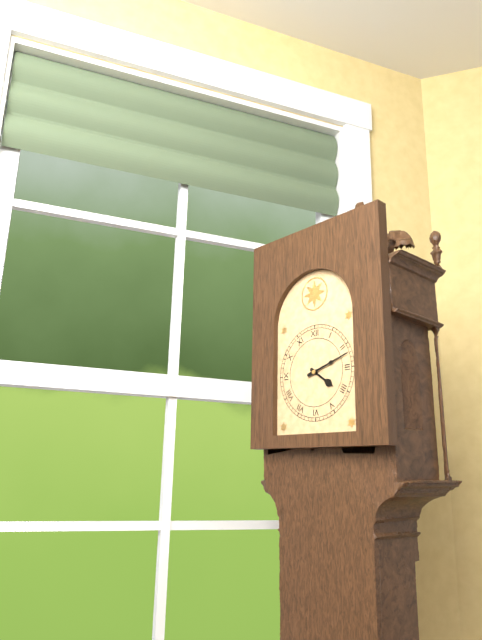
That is 4.12
